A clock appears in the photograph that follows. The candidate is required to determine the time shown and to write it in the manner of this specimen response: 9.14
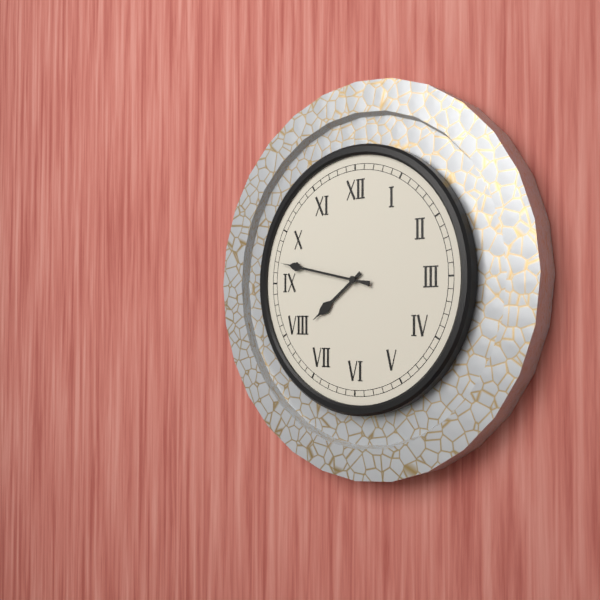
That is 7.47
